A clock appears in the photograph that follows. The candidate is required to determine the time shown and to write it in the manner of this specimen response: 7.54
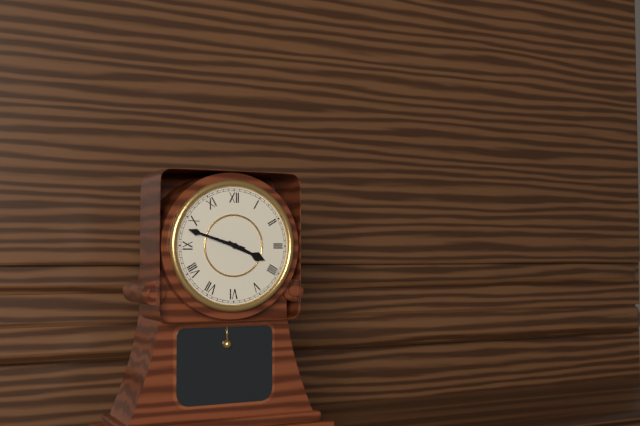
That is 3.48
